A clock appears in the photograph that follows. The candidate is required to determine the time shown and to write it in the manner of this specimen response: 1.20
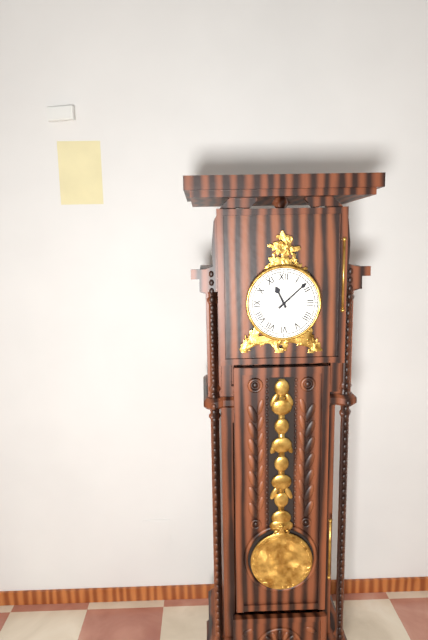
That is 11.08
